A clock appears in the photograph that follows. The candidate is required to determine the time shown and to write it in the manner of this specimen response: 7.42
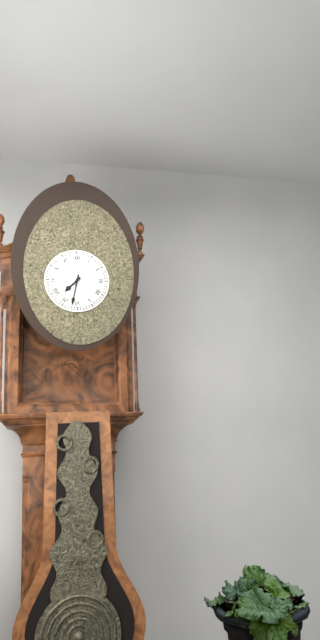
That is 7.32
